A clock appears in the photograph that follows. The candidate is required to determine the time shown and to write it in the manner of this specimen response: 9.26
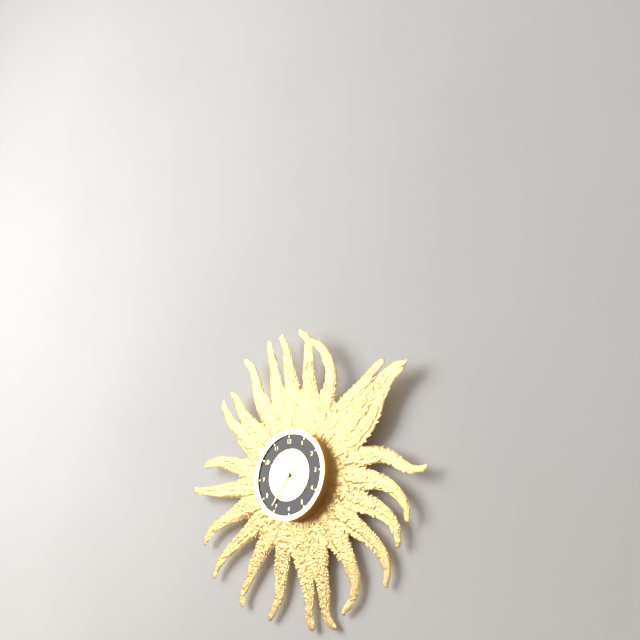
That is 2.36
